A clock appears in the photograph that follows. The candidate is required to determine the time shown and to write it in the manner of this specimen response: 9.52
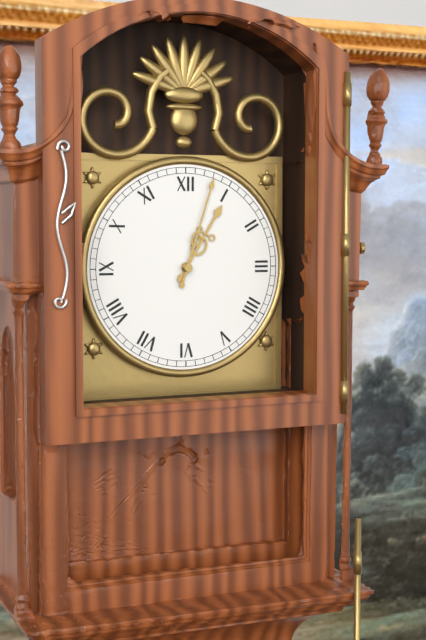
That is 1.03
